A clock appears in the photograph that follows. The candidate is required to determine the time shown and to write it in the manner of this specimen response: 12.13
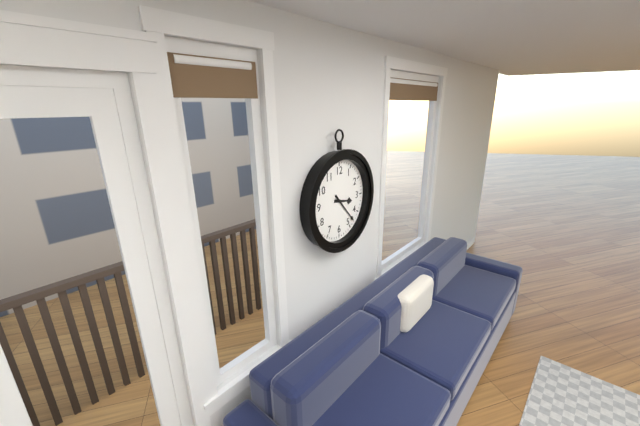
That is 3.23
